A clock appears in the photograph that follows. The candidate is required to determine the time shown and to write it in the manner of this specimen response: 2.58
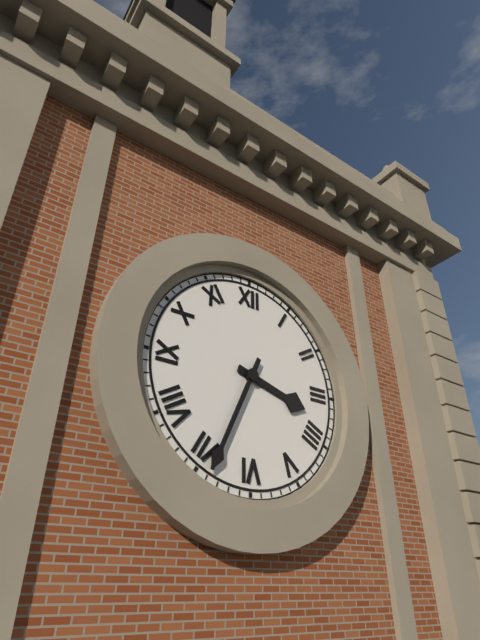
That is 3.34
